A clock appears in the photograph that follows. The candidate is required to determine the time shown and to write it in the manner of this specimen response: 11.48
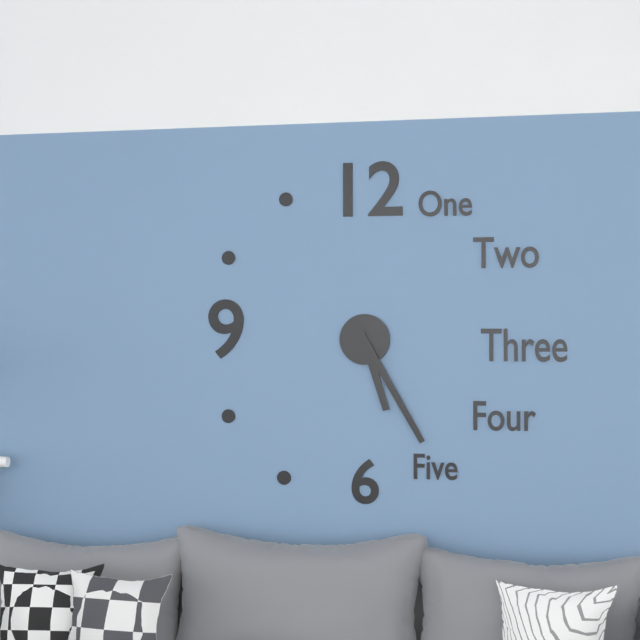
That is 5.25
